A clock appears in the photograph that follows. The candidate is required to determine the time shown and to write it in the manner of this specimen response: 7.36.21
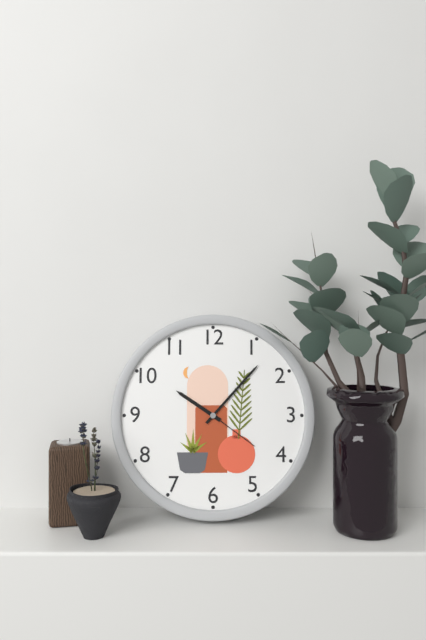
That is 10.07.21
